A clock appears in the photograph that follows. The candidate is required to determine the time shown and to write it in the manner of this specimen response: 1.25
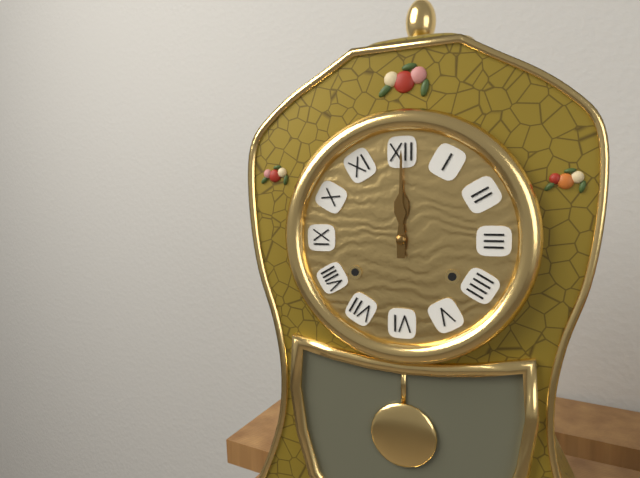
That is 12.00
